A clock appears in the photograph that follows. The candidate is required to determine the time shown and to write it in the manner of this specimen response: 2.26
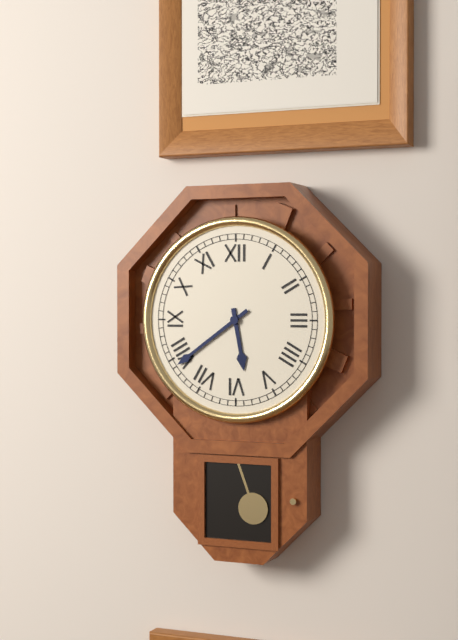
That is 5.39
